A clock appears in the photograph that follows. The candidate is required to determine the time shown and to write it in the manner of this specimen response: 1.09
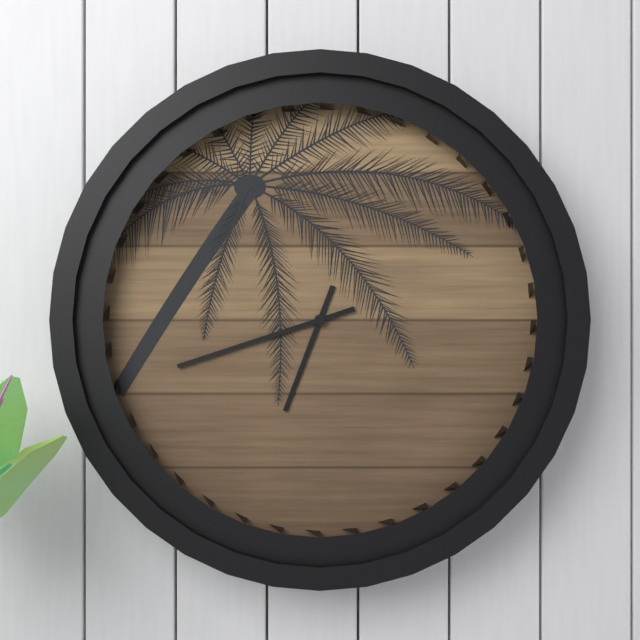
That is 6.42
